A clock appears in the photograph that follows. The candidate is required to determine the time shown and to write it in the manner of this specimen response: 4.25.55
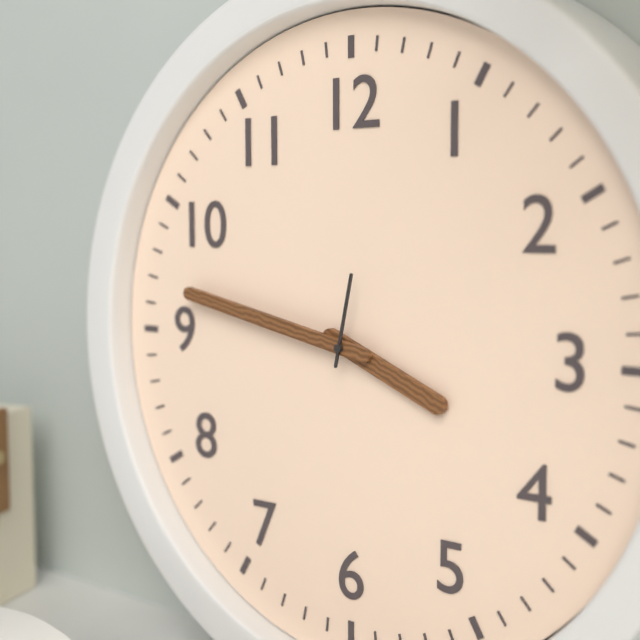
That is 3.47.02
